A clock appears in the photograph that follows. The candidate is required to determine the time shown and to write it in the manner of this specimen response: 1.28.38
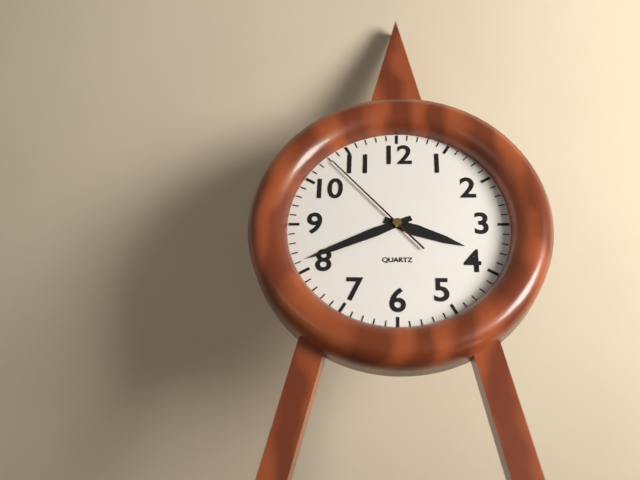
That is 3.41.53
